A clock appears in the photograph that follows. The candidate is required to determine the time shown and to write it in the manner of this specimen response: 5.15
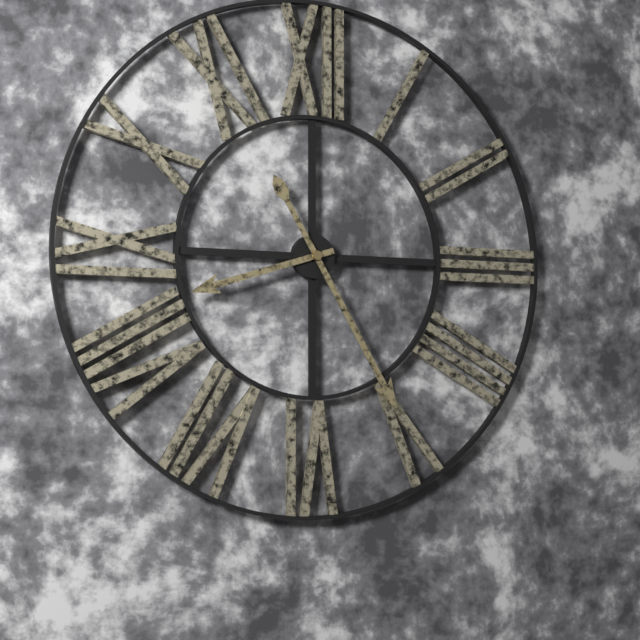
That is 8.25
